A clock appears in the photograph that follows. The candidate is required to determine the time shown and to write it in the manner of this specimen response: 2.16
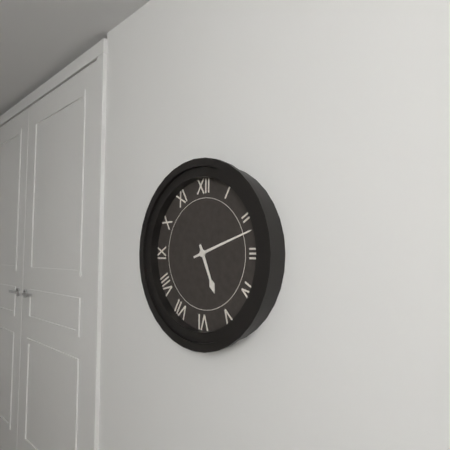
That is 5.12
